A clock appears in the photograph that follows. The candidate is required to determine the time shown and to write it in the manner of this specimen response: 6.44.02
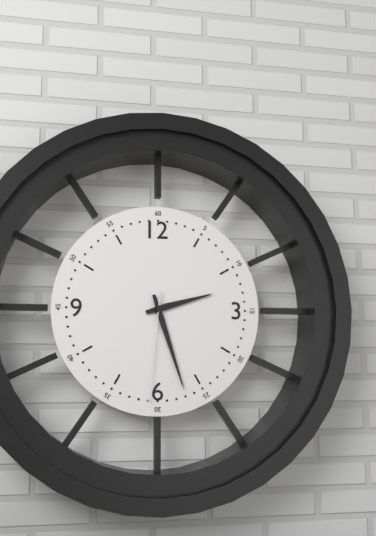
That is 2.27.31
